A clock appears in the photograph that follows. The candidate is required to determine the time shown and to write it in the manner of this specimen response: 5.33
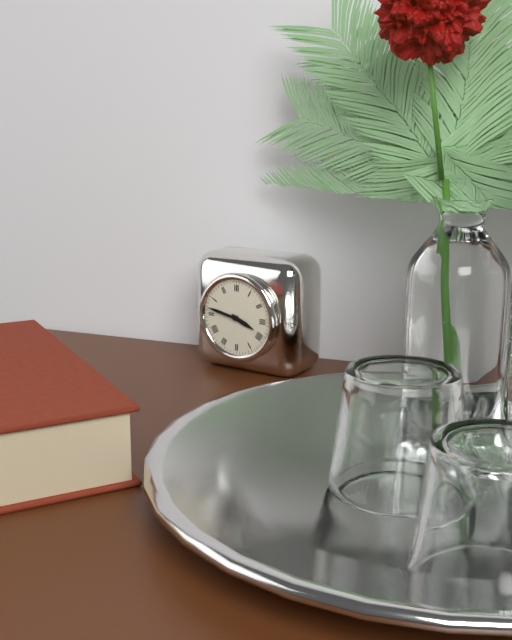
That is 3.47
